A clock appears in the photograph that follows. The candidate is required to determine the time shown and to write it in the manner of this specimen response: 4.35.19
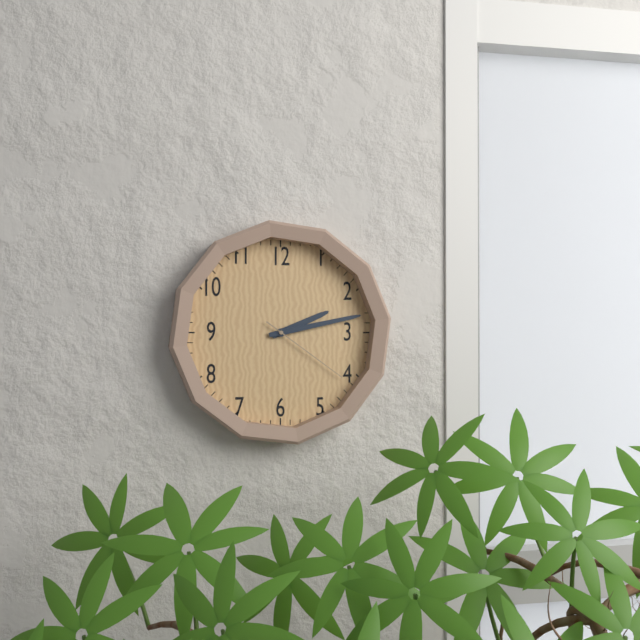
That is 2.13.21
